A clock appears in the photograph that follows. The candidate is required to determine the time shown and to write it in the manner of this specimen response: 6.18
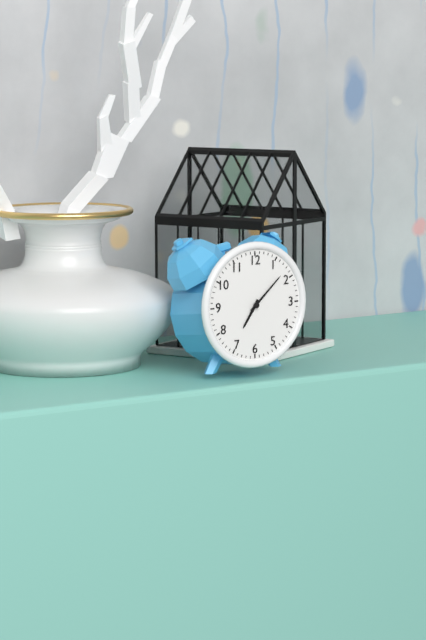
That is 7.08
